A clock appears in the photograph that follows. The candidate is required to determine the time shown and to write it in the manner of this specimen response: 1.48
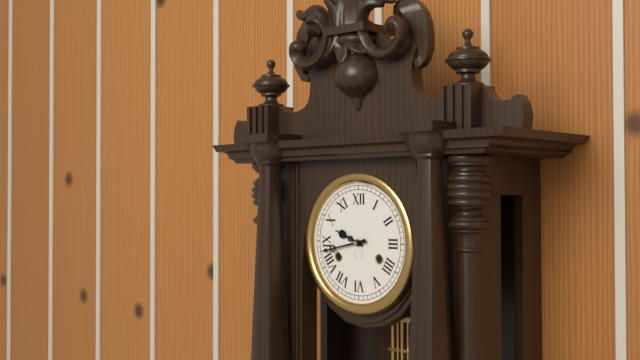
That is 9.43
